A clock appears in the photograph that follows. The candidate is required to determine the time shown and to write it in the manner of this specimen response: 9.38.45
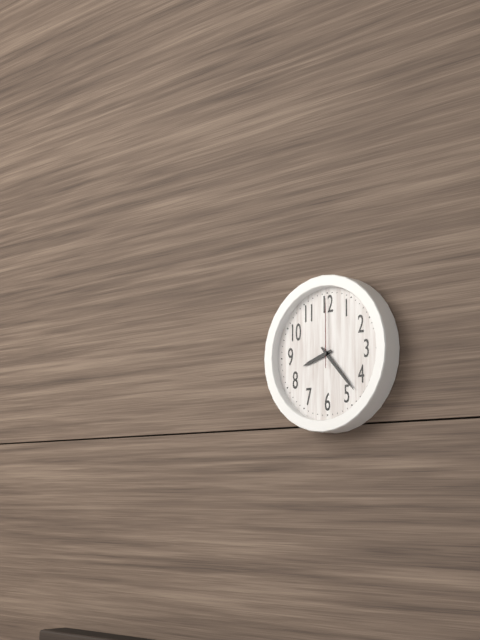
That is 8.23.00
